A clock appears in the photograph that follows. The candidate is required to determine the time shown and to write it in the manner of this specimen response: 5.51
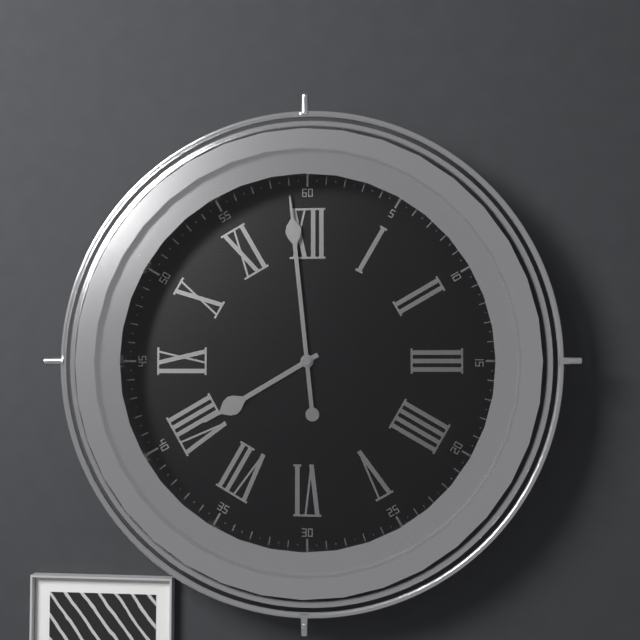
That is 7.59
